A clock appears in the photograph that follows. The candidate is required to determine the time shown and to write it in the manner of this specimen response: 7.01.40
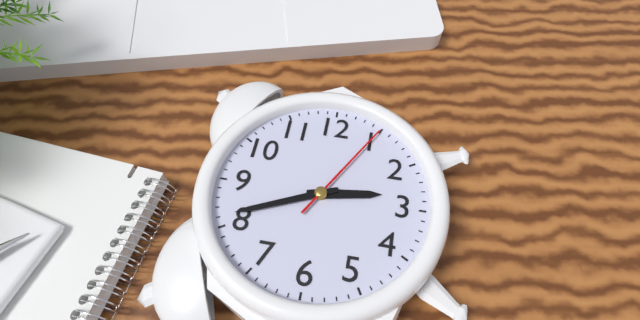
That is 2.41.05
